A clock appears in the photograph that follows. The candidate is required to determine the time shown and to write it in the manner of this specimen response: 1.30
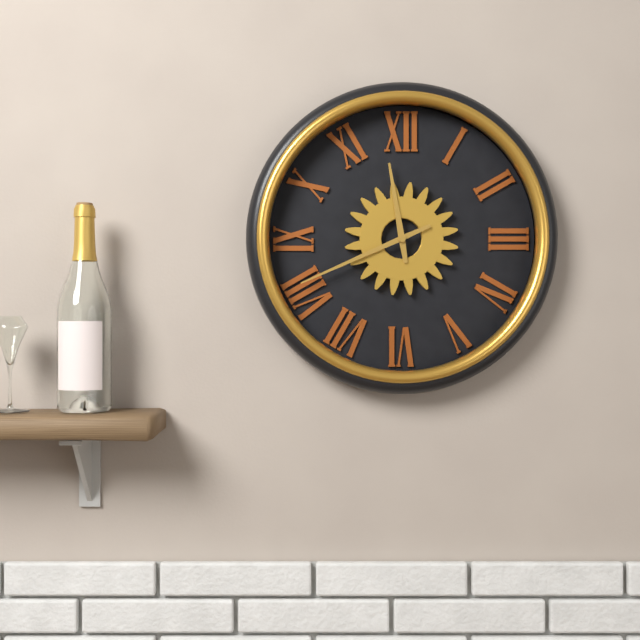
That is 11.41
